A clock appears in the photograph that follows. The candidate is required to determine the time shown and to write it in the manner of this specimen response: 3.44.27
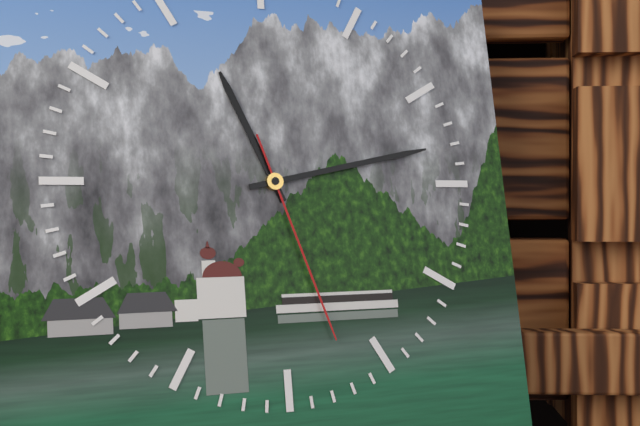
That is 11.13.27
